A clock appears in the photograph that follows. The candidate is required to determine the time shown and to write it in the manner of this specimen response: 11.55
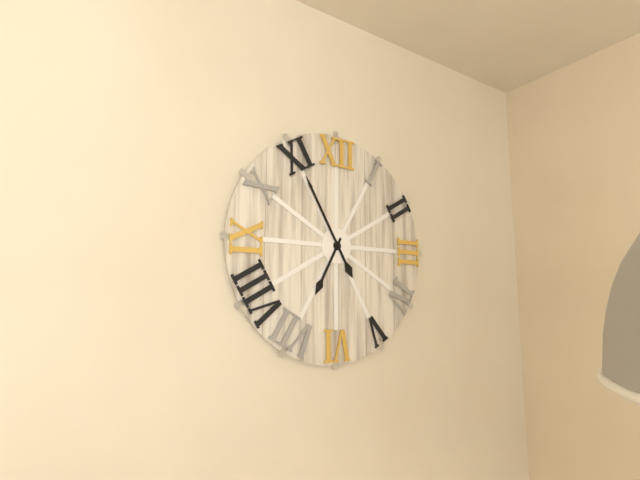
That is 6.55
